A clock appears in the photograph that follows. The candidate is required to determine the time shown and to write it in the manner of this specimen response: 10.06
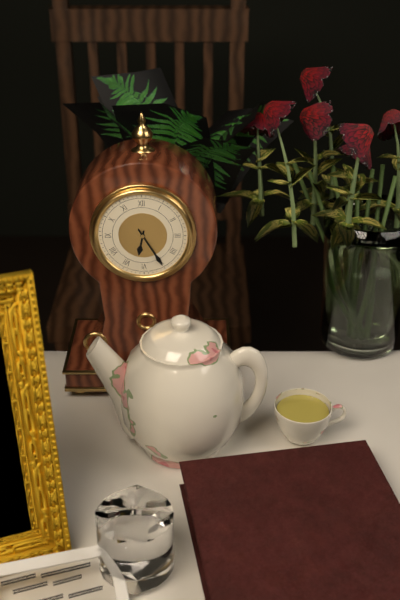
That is 6.25
